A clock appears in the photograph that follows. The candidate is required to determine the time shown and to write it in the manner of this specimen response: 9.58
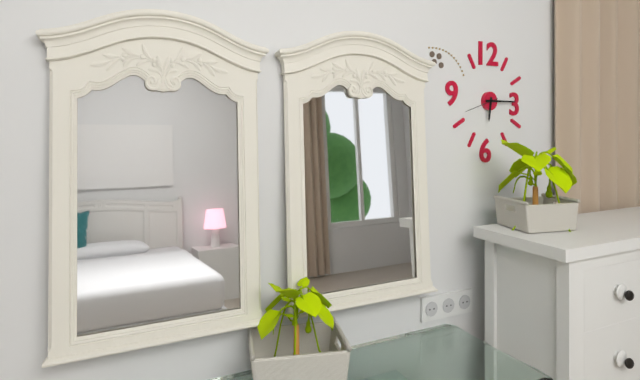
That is 6.15
